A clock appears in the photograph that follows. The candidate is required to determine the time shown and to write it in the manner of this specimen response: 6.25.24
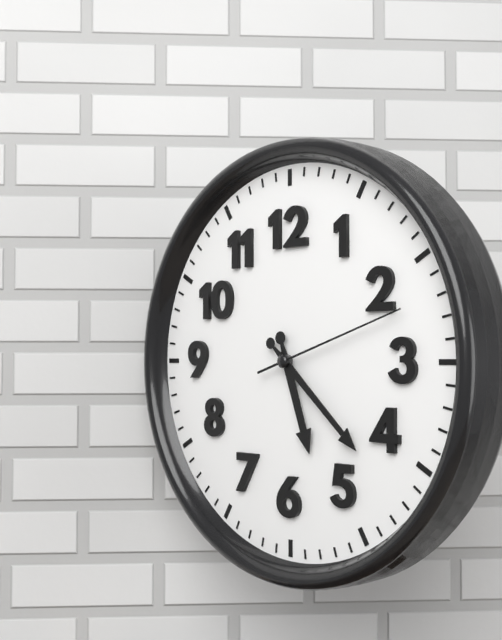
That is 5.22.12
